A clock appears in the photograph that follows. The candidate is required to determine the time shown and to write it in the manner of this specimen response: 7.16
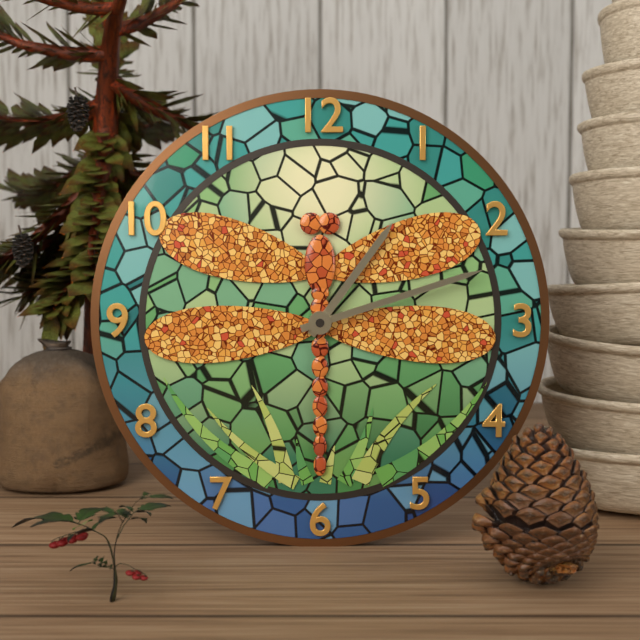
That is 1.12
